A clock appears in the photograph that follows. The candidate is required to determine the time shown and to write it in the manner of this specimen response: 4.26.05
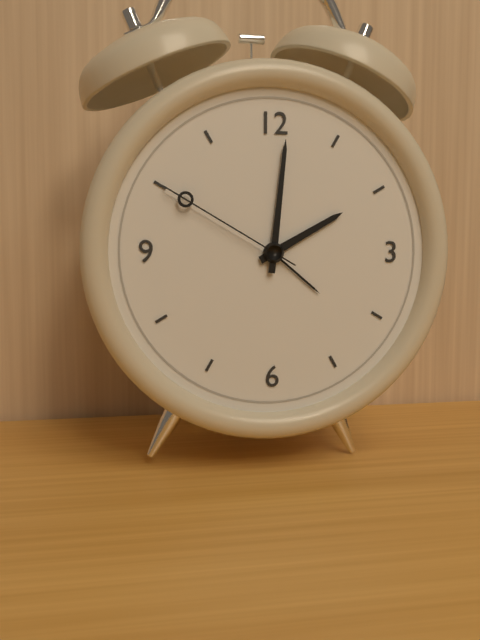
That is 2.01.50
